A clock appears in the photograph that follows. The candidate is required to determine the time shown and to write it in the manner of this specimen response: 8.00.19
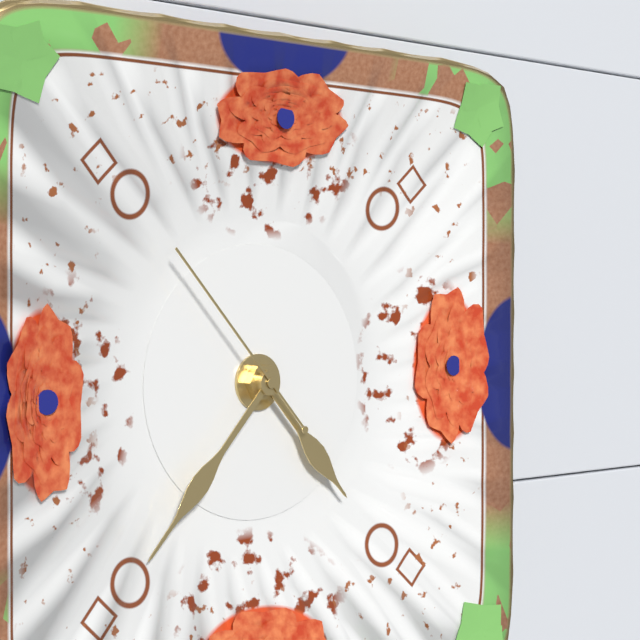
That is 4.37.53
